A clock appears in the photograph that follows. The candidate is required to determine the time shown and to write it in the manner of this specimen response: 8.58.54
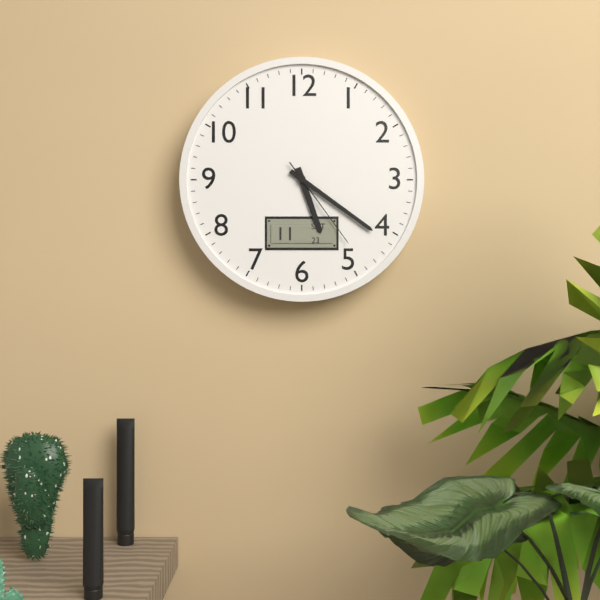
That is 5.21.24
